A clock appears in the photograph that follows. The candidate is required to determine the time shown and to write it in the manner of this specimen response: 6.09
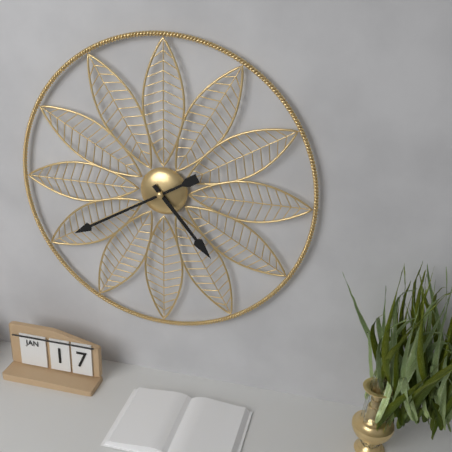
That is 4.40
